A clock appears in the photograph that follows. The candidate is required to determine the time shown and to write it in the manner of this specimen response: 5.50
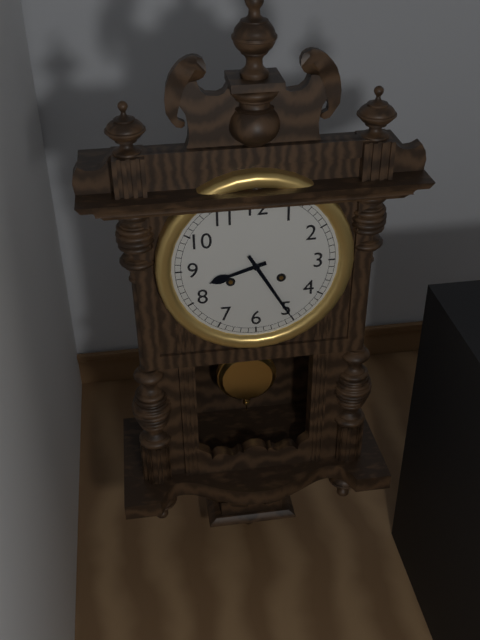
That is 8.25
